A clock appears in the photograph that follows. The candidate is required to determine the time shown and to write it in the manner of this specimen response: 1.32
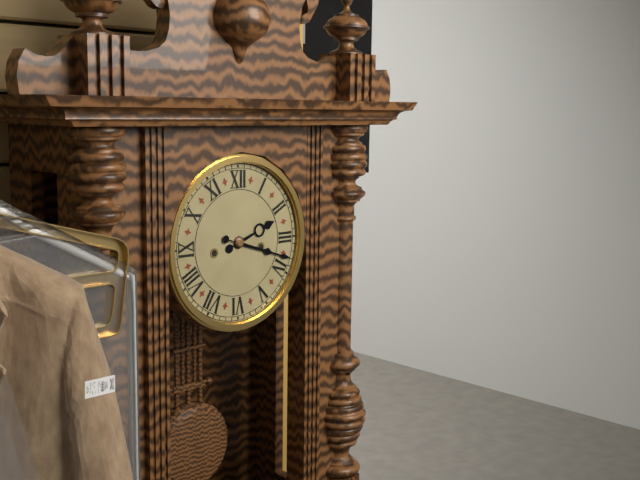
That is 2.18
